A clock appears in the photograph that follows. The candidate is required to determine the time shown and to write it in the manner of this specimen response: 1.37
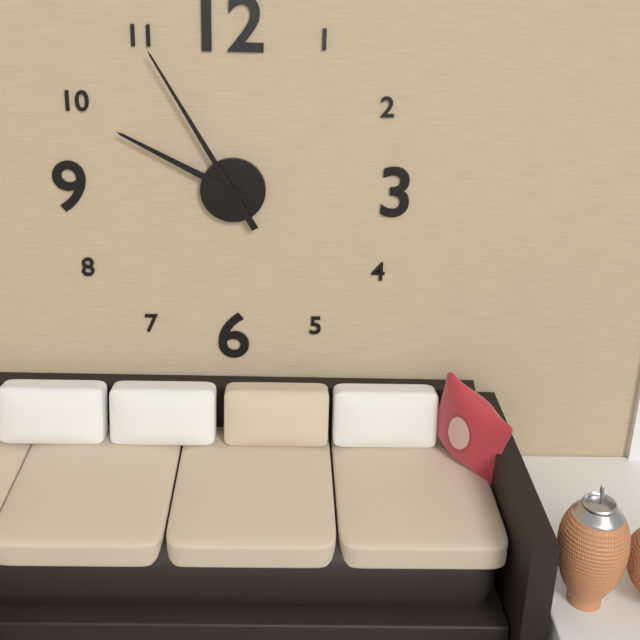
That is 9.55
